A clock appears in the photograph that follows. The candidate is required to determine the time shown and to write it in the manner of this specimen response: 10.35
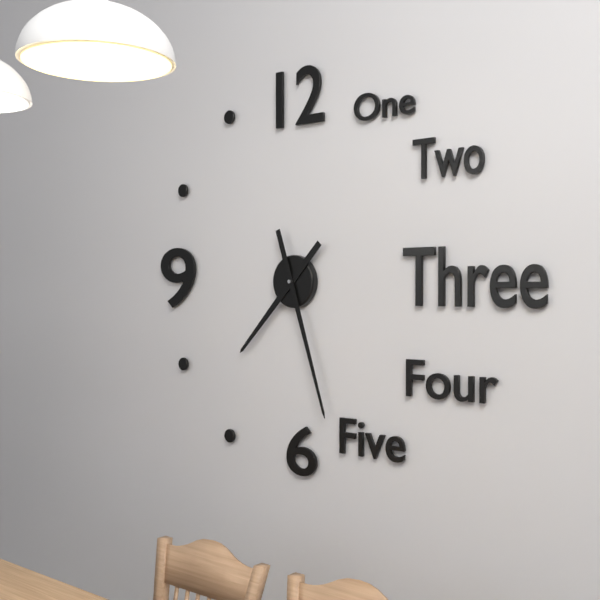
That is 7.27
